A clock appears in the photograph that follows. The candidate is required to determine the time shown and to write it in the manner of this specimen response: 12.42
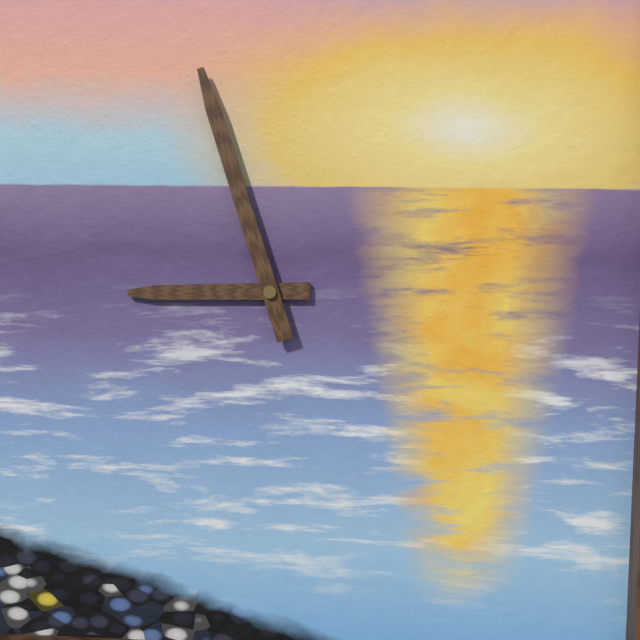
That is 8.57
